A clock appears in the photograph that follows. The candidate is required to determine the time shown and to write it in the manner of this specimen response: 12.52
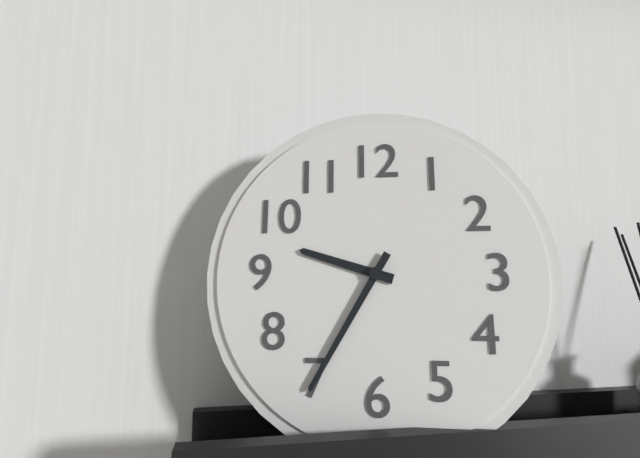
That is 9.35
